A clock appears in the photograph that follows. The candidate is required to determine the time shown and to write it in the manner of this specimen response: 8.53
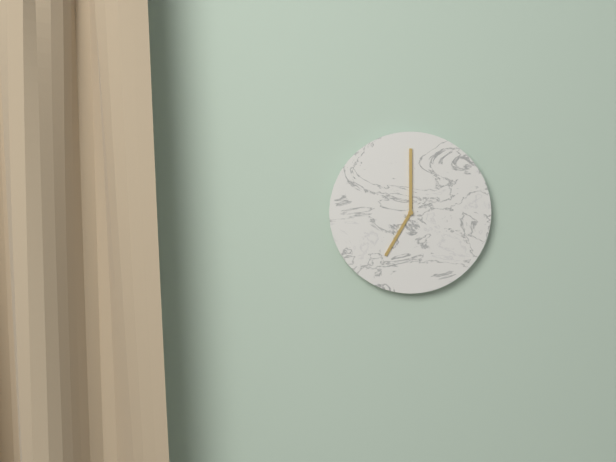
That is 7.00
